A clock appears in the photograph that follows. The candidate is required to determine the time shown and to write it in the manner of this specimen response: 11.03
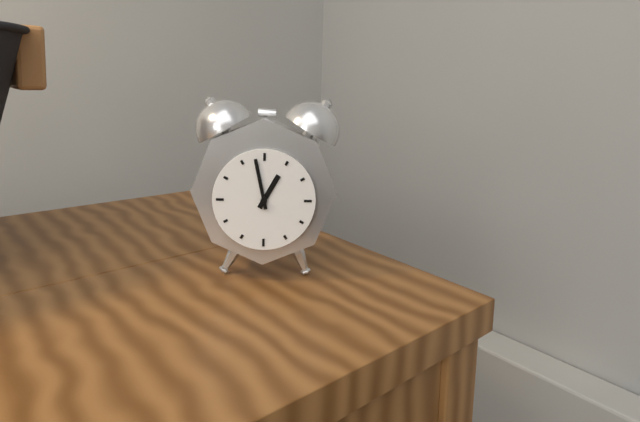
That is 12.58
